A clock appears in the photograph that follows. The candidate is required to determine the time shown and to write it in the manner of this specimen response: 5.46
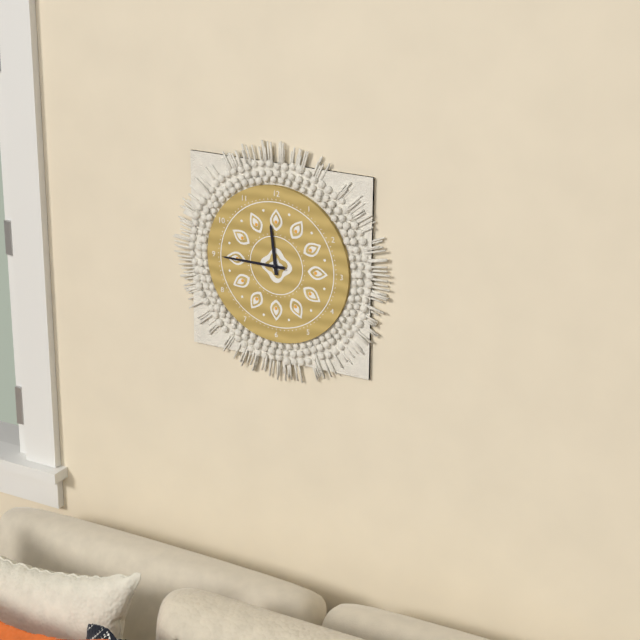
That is 11.45
